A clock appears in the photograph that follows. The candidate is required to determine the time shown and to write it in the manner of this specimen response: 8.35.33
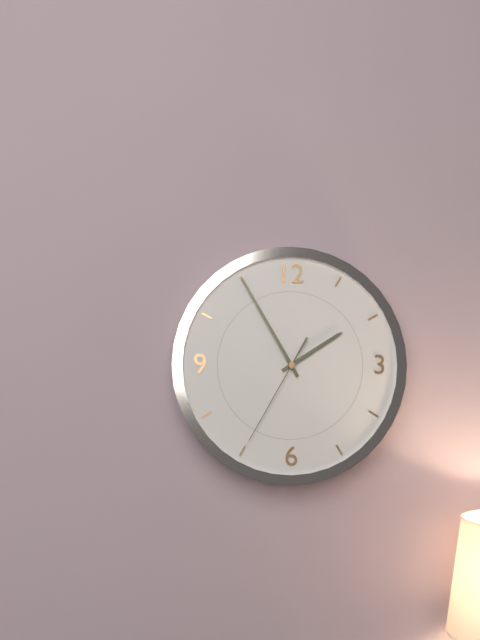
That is 1.55.35
